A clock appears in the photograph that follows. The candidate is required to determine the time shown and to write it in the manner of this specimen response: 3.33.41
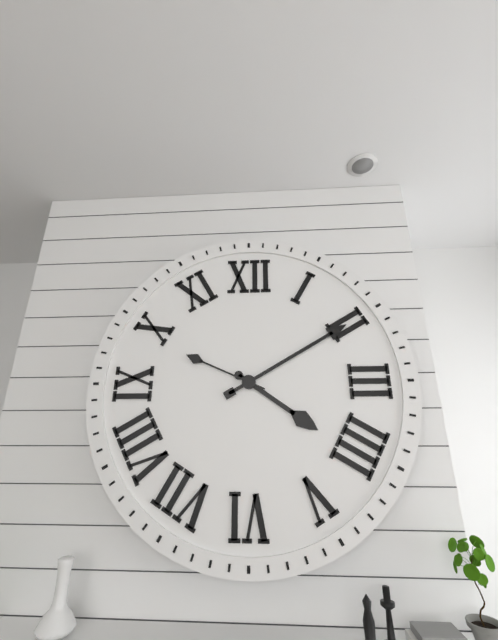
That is 4.10.49
